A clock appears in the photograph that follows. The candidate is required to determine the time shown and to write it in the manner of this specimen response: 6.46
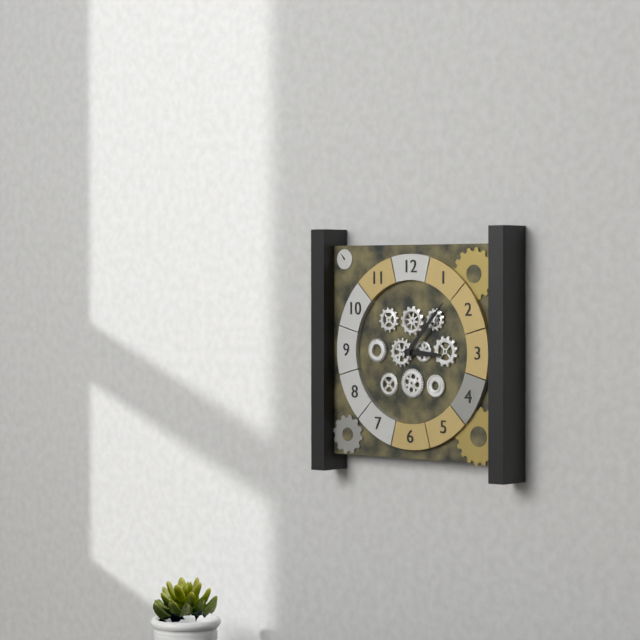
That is 3.07
